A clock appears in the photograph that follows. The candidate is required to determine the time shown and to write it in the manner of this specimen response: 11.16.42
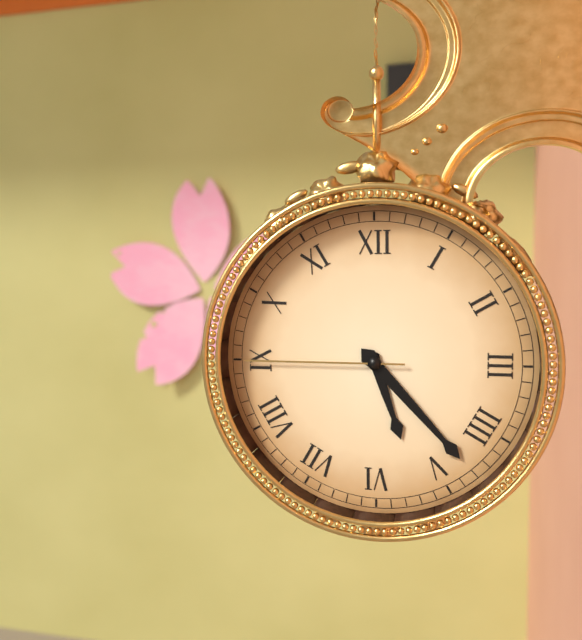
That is 5.23.45
